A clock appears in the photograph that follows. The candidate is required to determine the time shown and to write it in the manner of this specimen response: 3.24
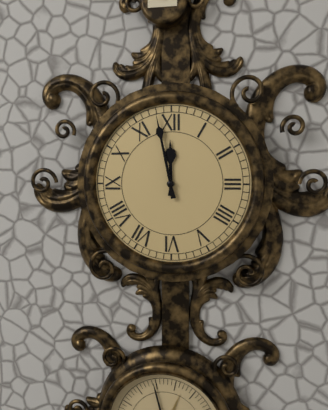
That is 11.58
